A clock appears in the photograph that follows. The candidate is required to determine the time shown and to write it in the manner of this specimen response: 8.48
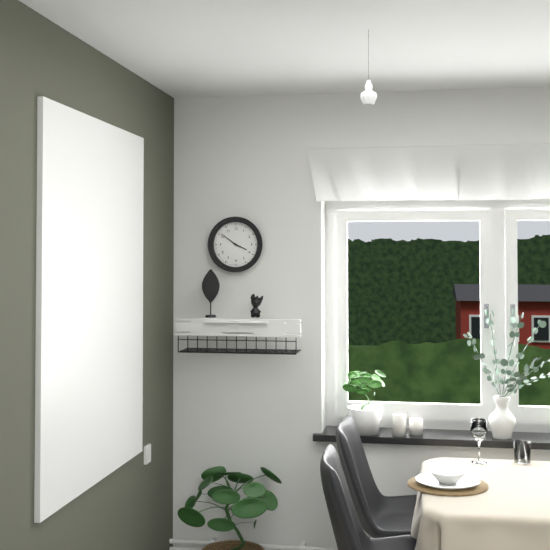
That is 3.51
